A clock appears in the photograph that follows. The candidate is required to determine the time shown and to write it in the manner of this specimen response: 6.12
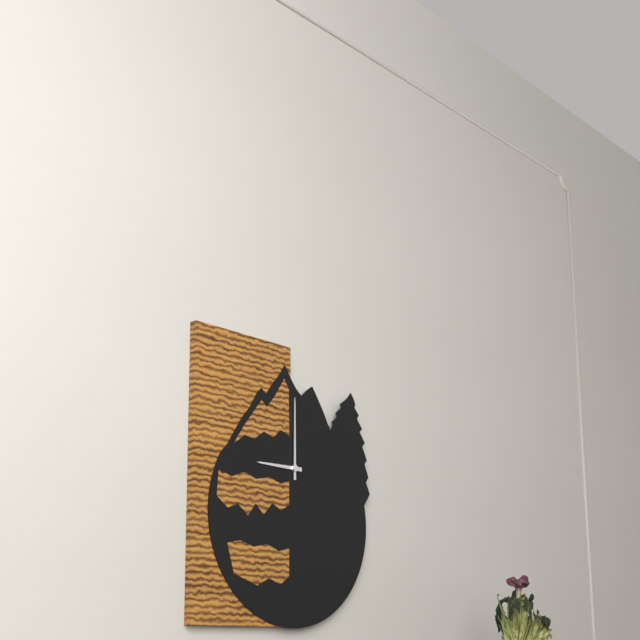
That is 9.00
